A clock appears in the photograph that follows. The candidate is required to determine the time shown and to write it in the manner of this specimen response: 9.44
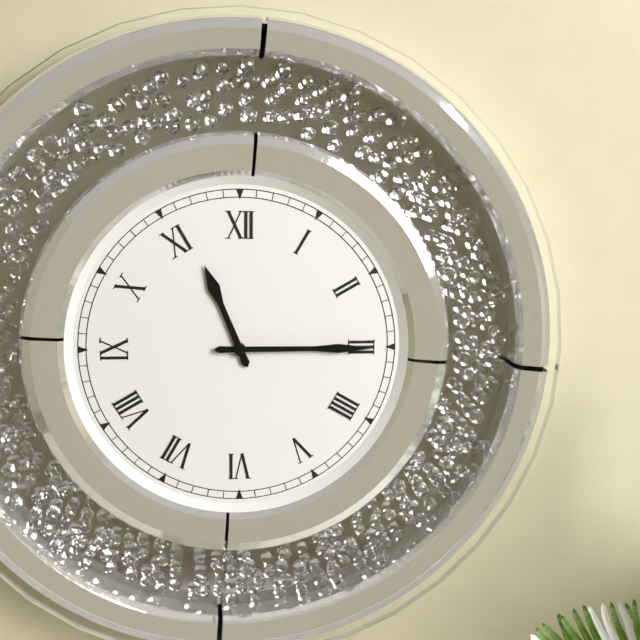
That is 11.15
